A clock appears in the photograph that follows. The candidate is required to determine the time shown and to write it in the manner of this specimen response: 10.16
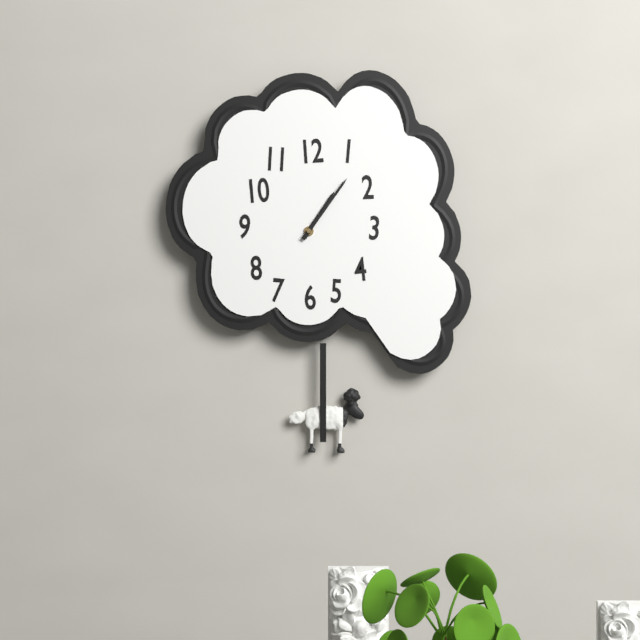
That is 1.06
